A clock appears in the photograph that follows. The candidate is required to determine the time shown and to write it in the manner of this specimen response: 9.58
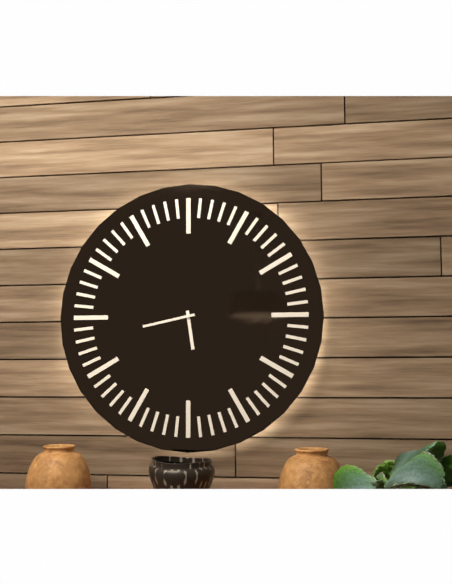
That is 5.43
